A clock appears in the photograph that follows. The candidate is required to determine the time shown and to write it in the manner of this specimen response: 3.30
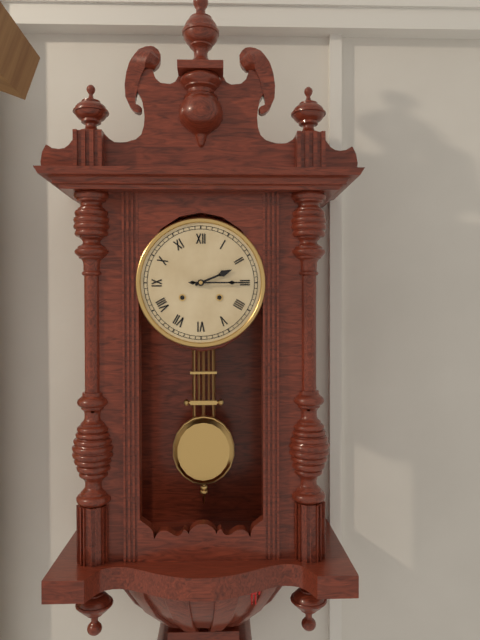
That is 2.15
